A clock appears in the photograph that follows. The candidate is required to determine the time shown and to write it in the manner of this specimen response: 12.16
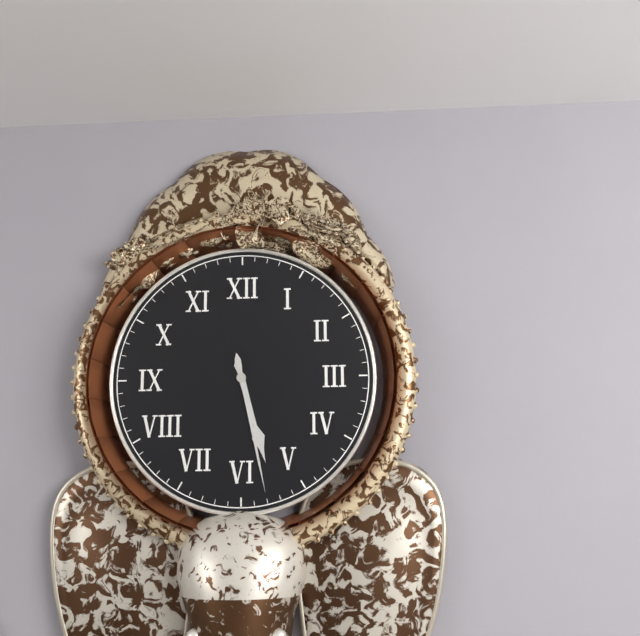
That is 5.28
